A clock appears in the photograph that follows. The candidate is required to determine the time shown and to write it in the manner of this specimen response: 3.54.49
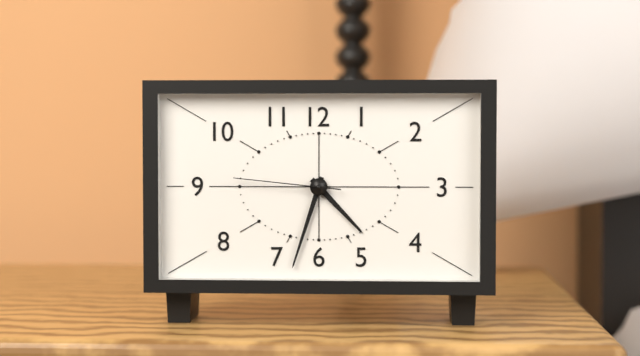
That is 4.33.46
